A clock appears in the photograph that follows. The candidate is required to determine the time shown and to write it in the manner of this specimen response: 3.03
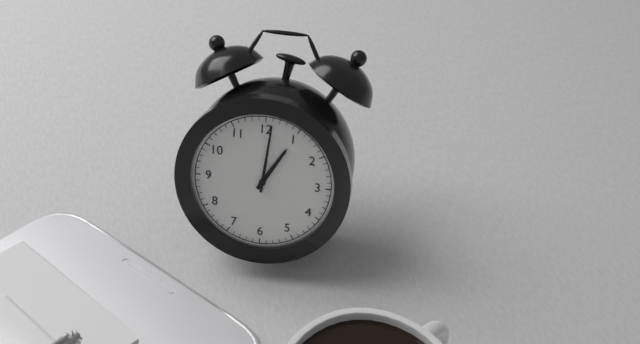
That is 1.01
